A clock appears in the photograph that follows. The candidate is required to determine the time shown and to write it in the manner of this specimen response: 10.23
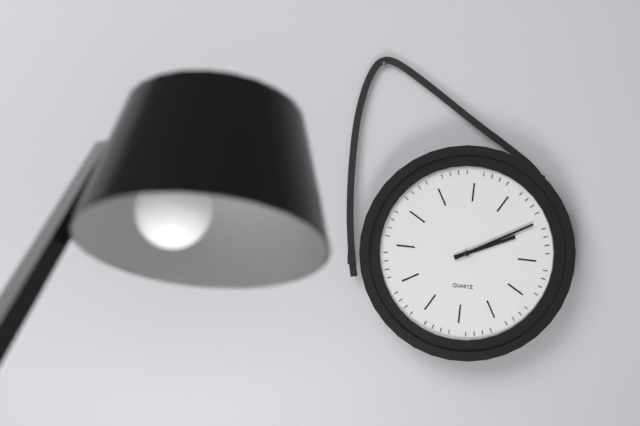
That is 2.10
